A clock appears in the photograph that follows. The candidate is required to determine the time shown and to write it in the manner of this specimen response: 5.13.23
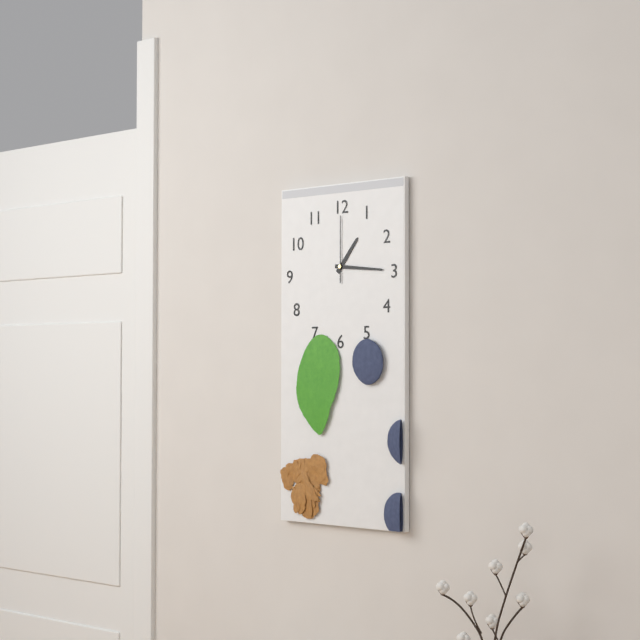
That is 1.16.00
